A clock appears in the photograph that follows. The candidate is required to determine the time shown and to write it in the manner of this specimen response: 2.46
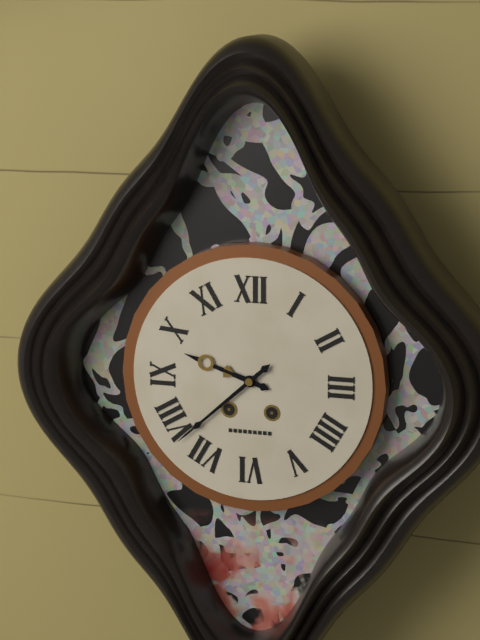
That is 9.38
